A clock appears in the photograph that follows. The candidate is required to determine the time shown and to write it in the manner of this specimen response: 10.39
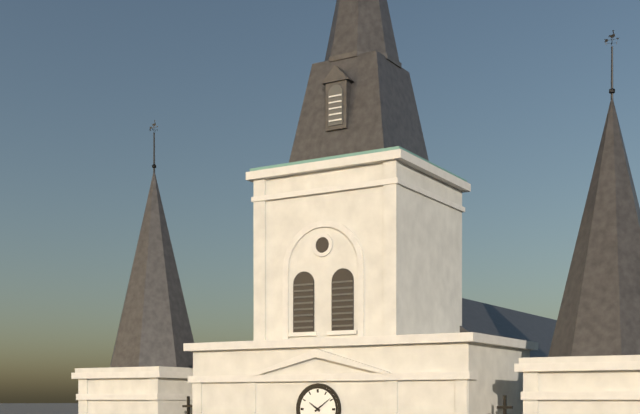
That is 10.09
